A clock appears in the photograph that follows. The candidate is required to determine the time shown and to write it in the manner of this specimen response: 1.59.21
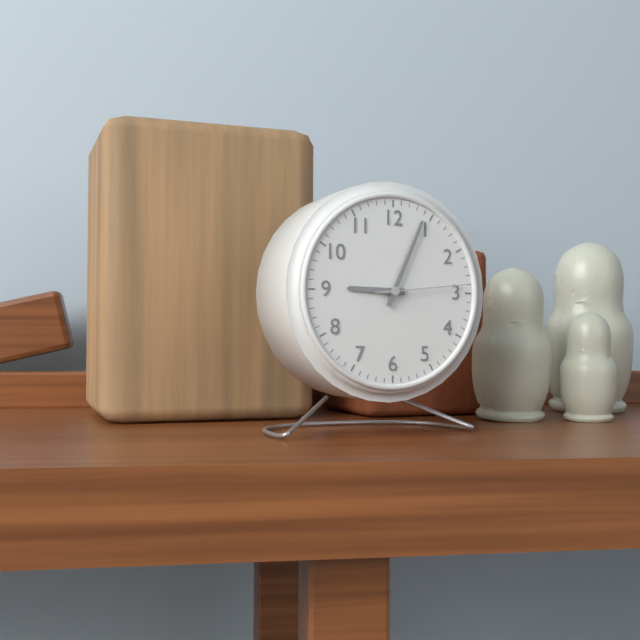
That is 9.04.14
